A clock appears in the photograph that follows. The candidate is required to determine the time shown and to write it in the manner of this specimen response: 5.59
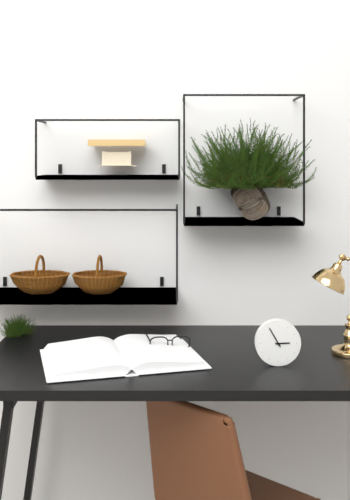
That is 2.55
